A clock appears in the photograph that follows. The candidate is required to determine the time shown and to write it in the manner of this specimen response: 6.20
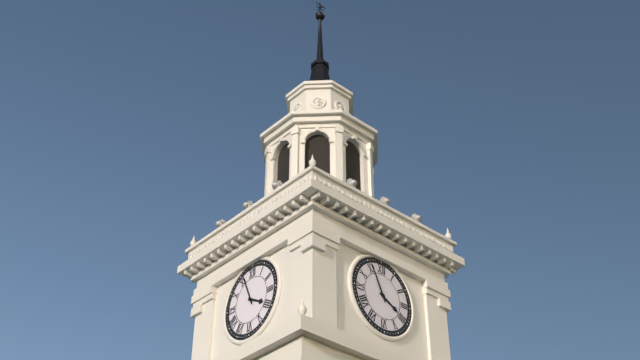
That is 3.56
